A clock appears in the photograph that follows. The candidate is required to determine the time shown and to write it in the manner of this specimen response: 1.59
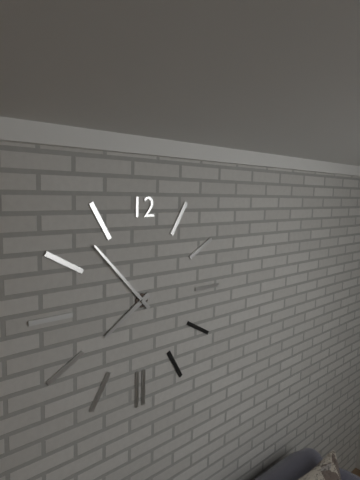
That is 7.53
